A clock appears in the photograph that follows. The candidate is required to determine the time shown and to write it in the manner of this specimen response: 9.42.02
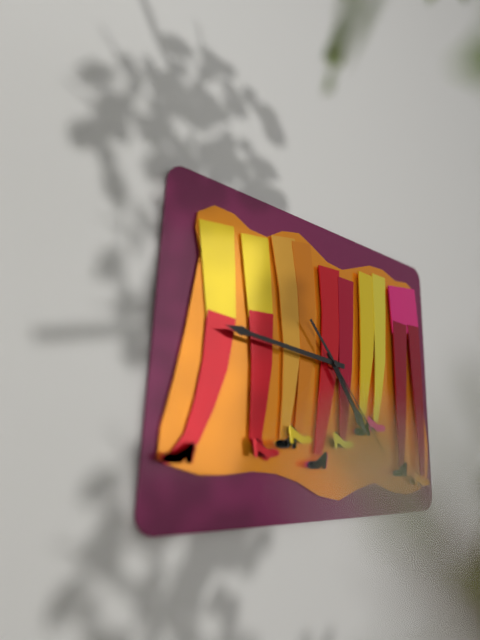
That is 4.46.23
